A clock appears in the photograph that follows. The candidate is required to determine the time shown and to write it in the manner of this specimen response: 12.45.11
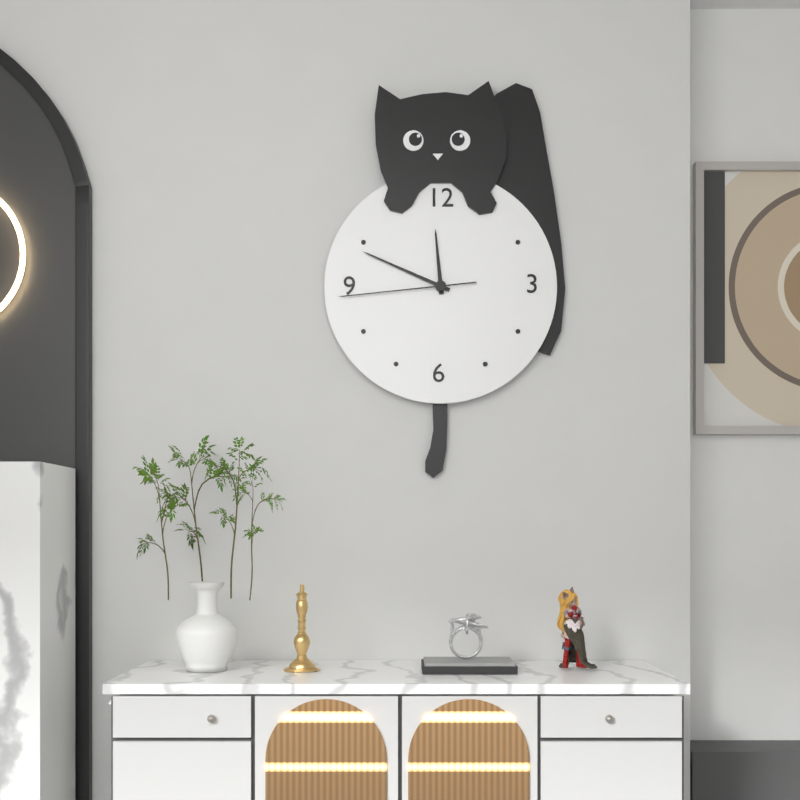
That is 11.49.44
